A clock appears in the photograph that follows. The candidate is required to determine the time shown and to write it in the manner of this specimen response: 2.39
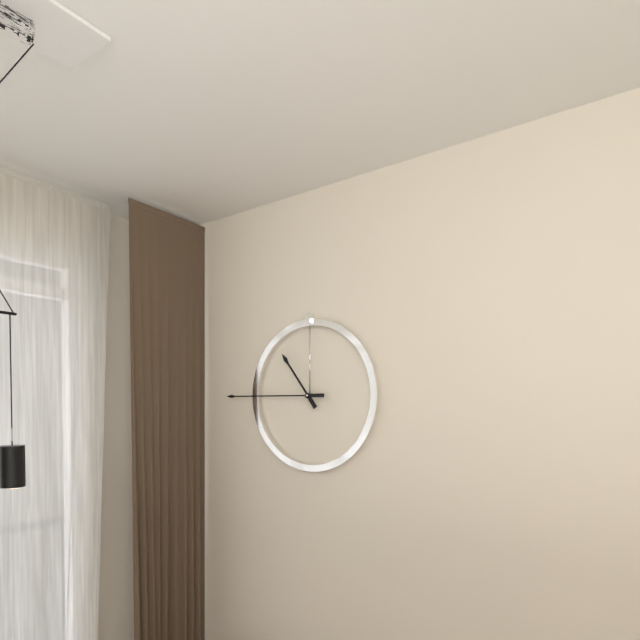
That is 10.45
